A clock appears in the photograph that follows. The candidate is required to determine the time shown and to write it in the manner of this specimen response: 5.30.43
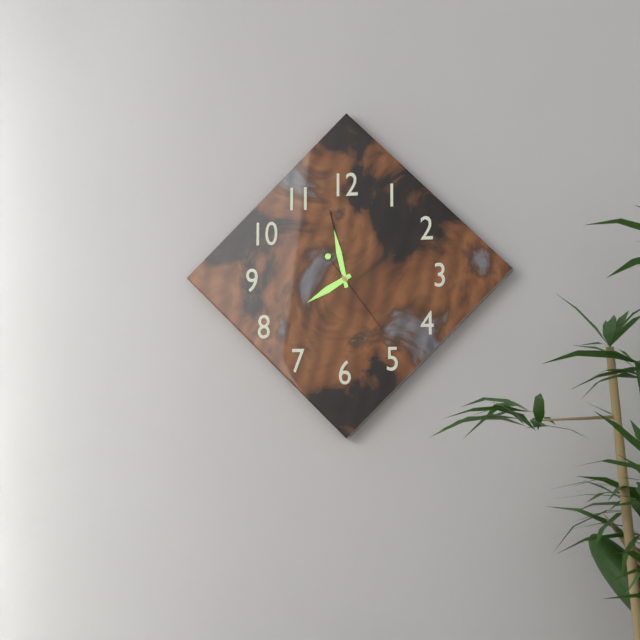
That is 7.58.24
